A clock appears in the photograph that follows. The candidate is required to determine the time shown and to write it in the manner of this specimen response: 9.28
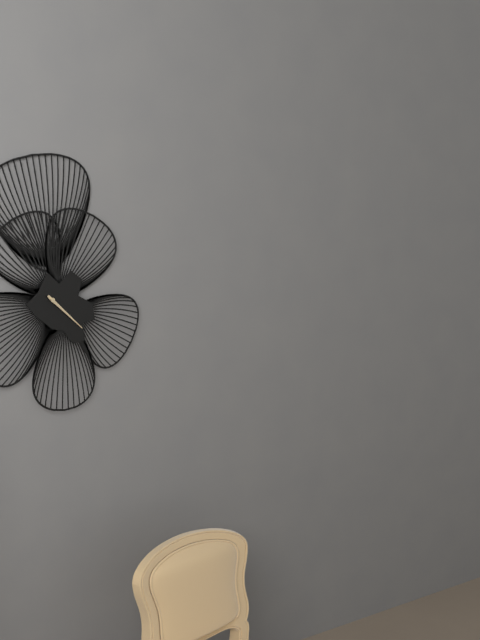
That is 4.22
